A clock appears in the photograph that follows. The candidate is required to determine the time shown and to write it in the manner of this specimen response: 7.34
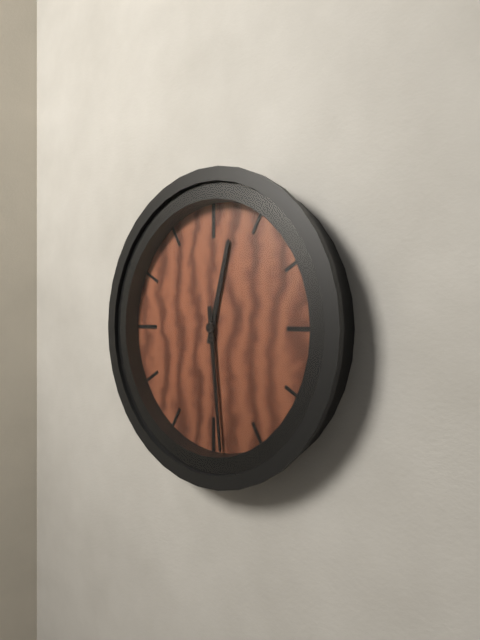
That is 12.29
